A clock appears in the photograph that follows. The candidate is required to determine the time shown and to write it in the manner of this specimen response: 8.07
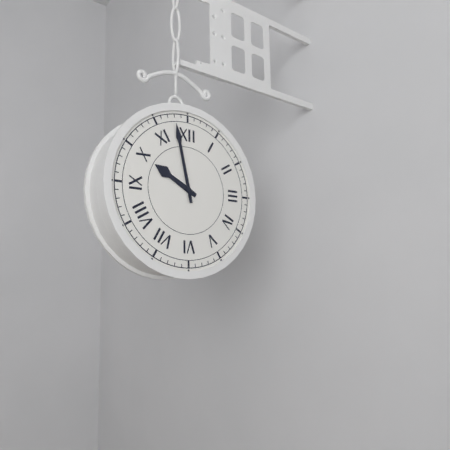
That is 9.58
